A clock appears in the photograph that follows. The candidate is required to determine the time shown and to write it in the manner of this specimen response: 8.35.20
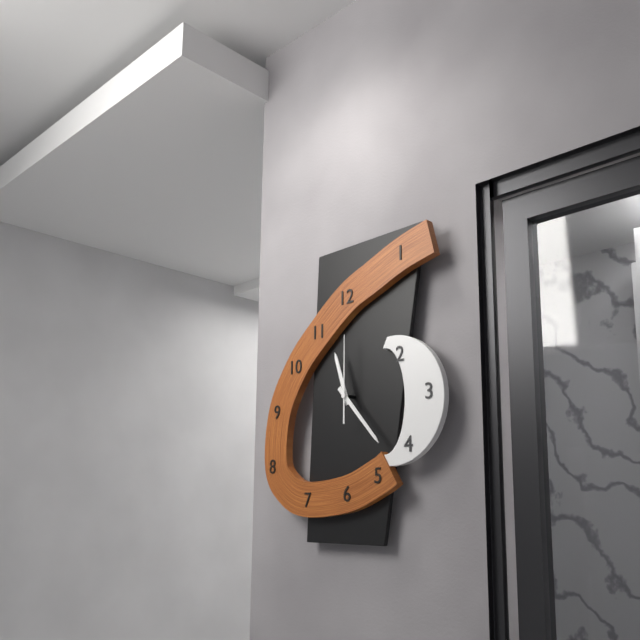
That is 11.23.00
